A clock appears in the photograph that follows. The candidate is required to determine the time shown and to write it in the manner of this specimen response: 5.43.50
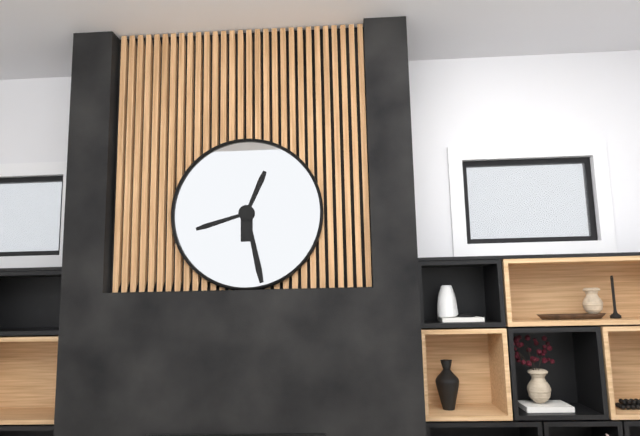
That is 8.28.04
